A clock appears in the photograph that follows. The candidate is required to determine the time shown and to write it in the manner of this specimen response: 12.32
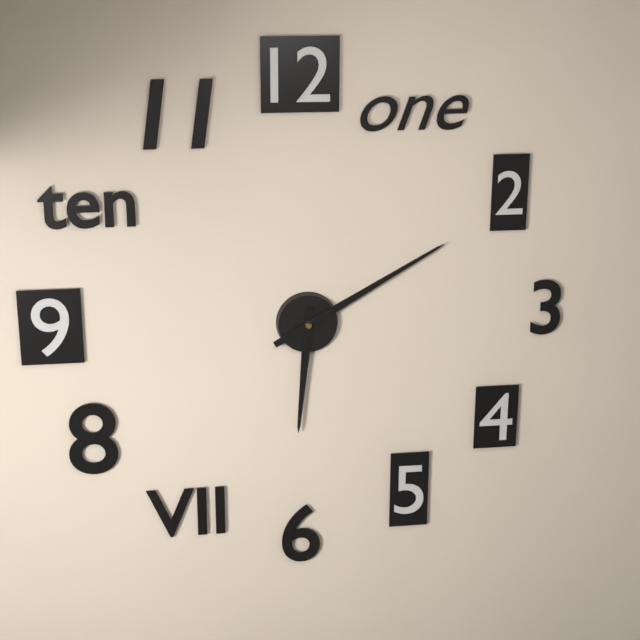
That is 6.10
